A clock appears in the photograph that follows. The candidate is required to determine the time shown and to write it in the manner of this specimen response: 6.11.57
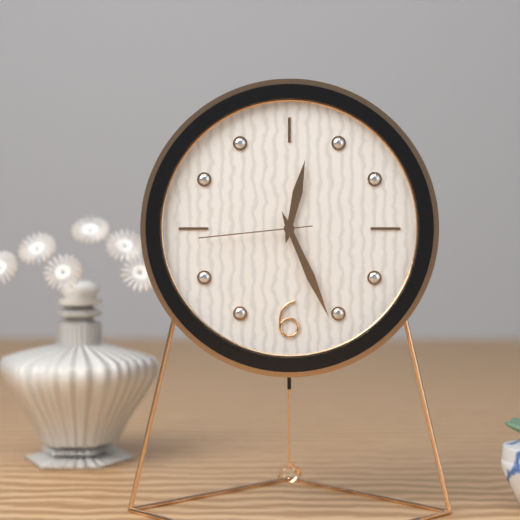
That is 12.26.44
